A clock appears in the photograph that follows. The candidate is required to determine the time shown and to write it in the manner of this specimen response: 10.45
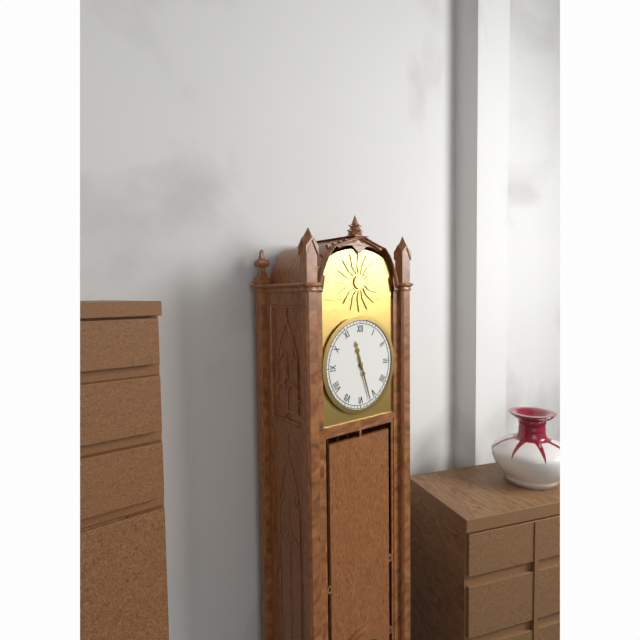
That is 11.27
